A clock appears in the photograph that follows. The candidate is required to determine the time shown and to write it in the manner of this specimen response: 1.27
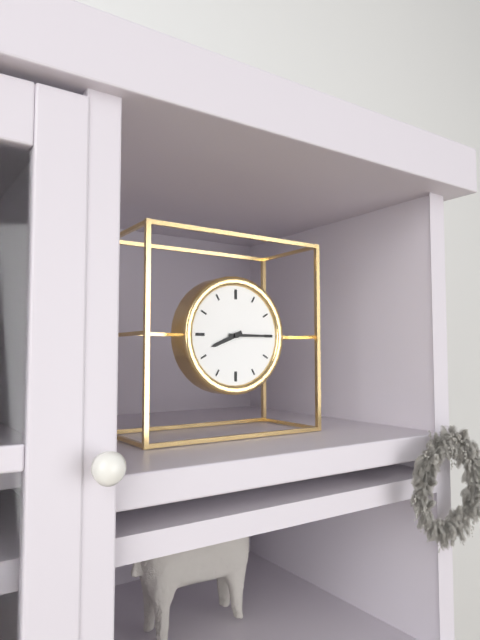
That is 8.15
